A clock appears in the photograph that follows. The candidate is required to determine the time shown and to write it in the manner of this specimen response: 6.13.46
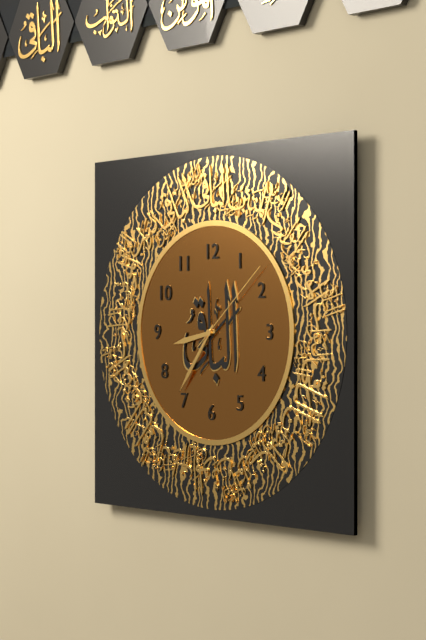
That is 8.36.08
